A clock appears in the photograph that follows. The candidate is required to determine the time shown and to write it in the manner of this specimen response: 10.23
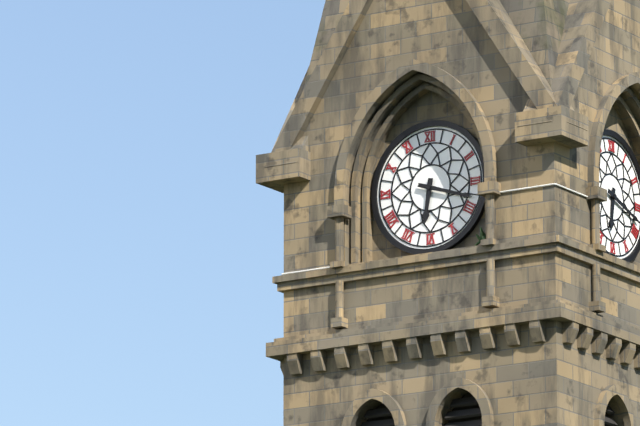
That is 6.18
